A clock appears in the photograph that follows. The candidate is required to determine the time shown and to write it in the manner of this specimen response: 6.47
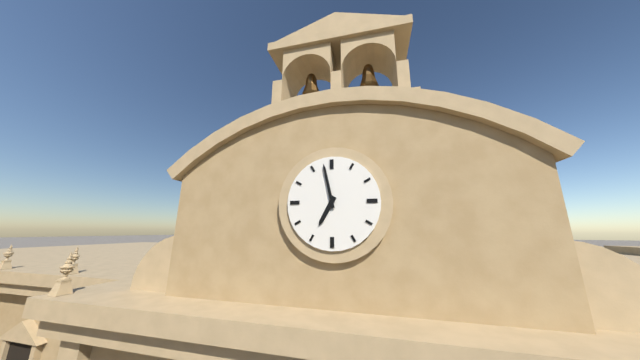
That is 6.58
